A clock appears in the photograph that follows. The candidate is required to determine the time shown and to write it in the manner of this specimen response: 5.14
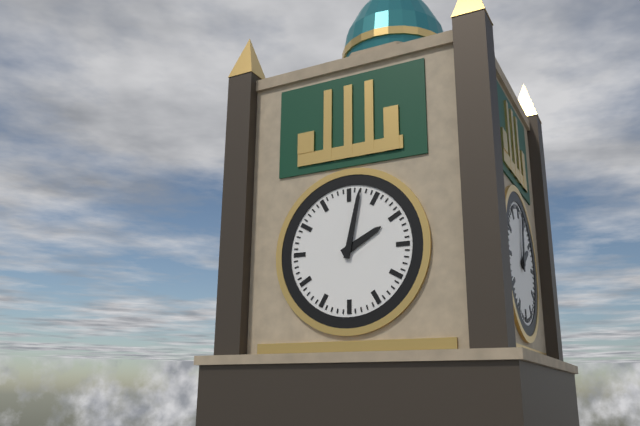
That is 2.02
